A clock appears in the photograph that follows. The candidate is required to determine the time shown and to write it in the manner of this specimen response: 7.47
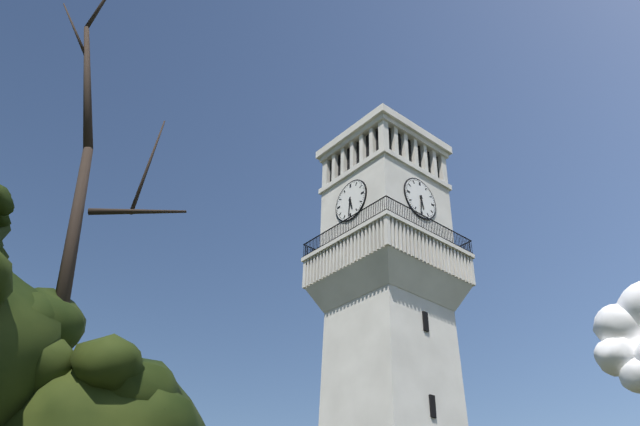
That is 5.31
